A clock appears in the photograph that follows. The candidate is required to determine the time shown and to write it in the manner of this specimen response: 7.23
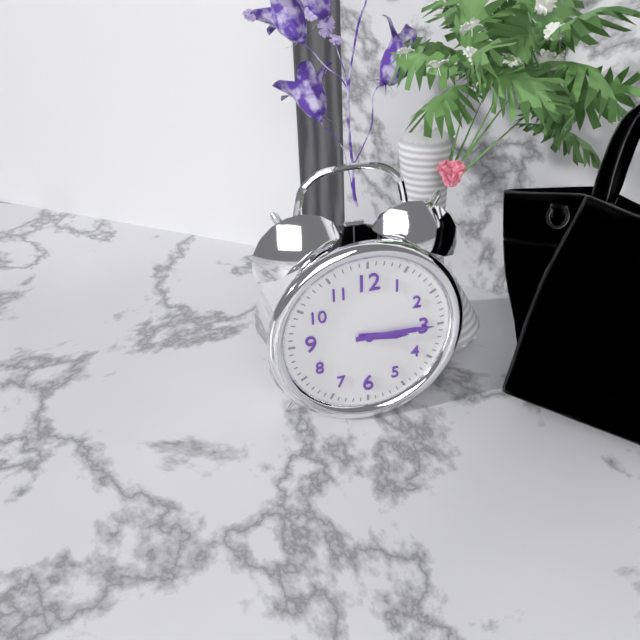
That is 3.15
